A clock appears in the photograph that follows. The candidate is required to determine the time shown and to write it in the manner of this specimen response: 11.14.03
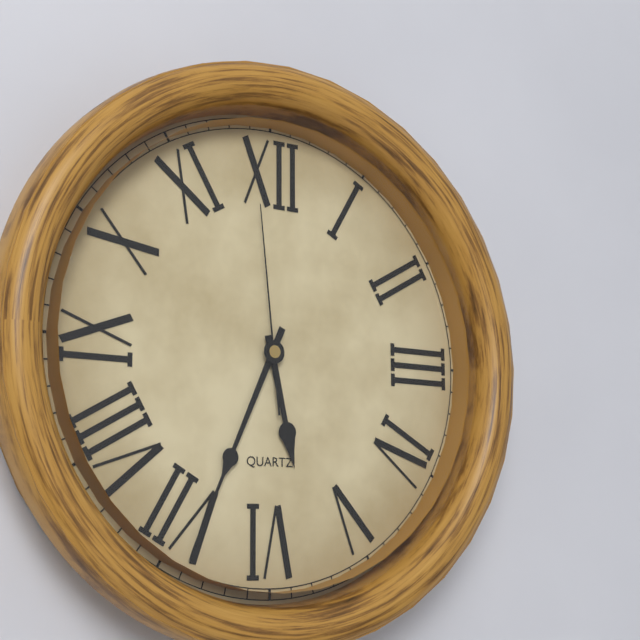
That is 5.34.59
